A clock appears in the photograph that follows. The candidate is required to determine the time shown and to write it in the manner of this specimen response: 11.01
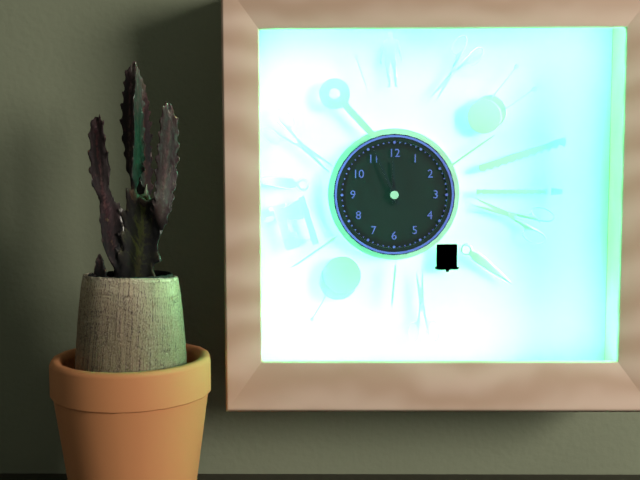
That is 11.56
